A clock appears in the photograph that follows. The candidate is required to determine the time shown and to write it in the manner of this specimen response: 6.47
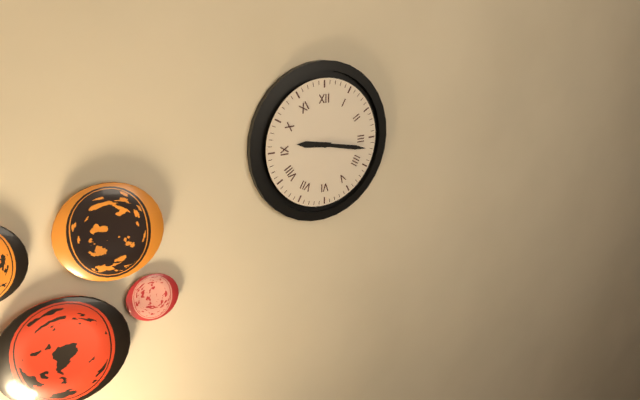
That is 9.17
